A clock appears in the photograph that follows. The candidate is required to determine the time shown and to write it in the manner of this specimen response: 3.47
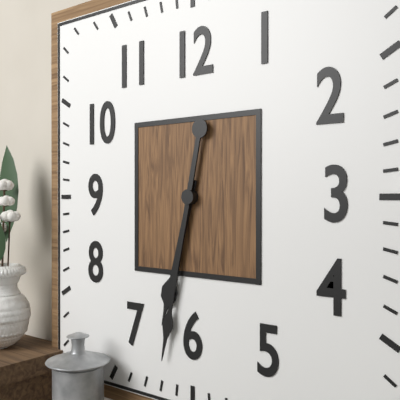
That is 6.32
